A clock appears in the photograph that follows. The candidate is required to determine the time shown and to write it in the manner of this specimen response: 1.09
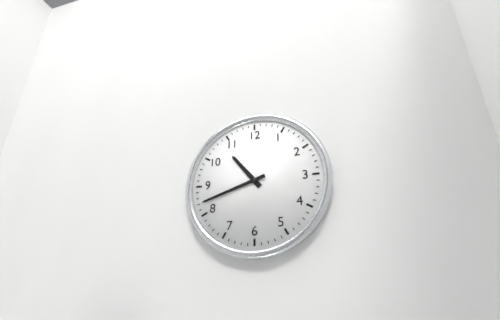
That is 10.42
